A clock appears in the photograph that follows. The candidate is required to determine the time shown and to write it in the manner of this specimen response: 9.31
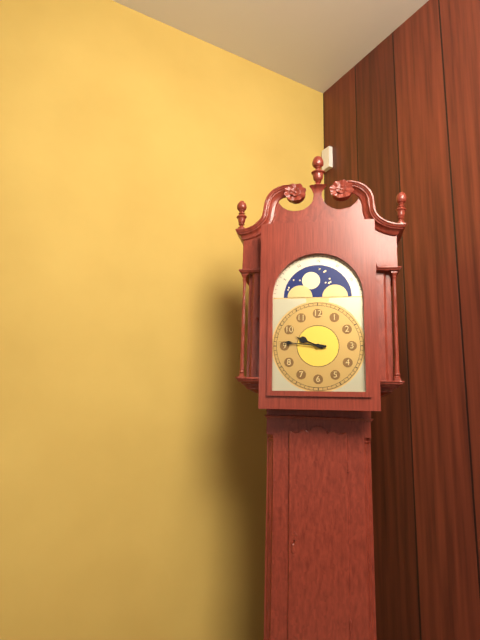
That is 9.46
